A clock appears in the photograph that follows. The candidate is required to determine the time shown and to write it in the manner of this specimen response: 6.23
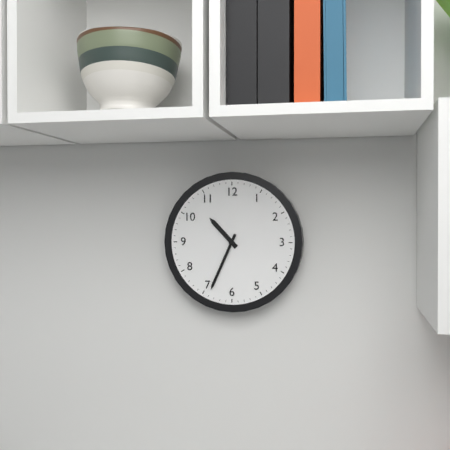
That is 10.34
